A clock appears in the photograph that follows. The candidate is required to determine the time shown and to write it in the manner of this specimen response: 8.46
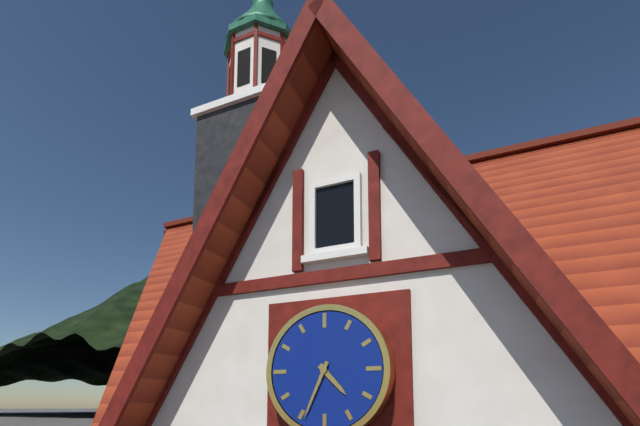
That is 4.34
